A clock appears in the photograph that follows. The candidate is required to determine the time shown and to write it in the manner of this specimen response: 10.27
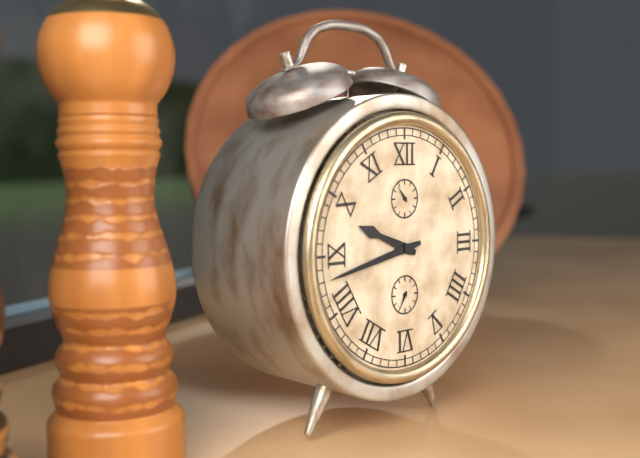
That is 9.43
